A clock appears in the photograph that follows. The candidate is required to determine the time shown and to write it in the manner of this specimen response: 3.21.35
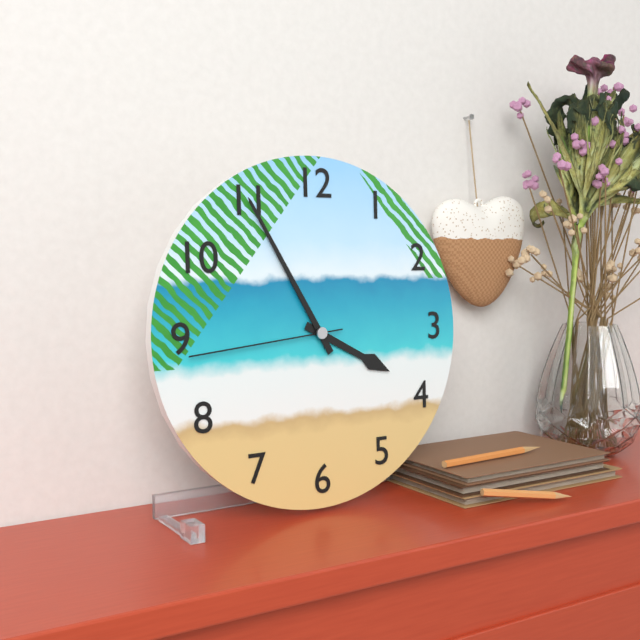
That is 3.55.44
